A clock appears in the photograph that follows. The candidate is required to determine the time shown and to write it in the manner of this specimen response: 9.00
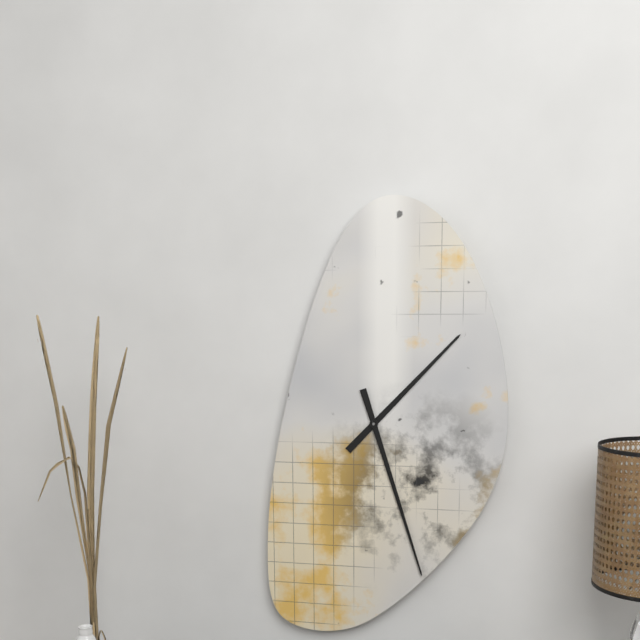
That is 1.27
